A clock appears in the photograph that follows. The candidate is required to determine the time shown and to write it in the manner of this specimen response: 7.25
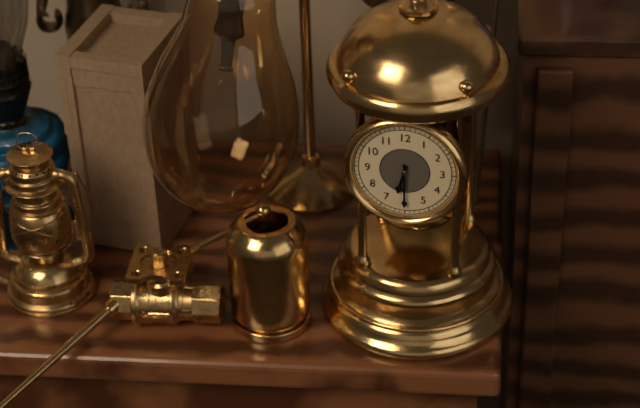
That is 6.30
